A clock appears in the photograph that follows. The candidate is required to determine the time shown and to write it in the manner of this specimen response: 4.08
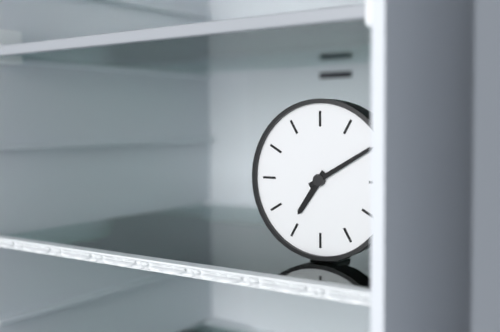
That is 7.10
